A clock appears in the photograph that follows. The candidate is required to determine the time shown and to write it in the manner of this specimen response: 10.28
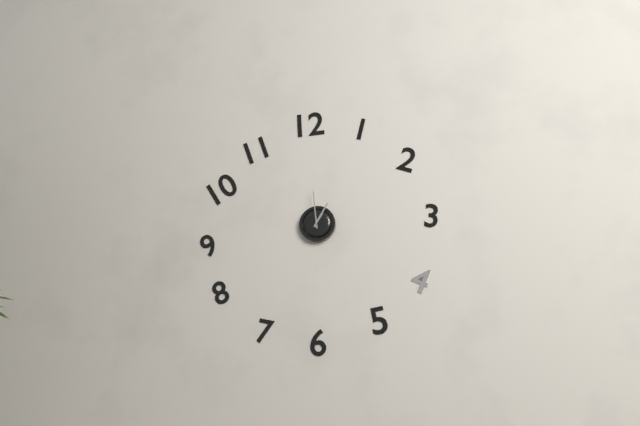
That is 12.59
